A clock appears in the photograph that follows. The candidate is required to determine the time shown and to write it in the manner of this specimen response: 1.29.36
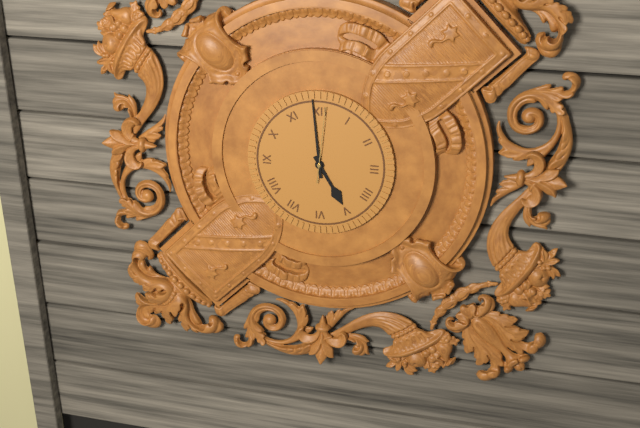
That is 4.59.01
